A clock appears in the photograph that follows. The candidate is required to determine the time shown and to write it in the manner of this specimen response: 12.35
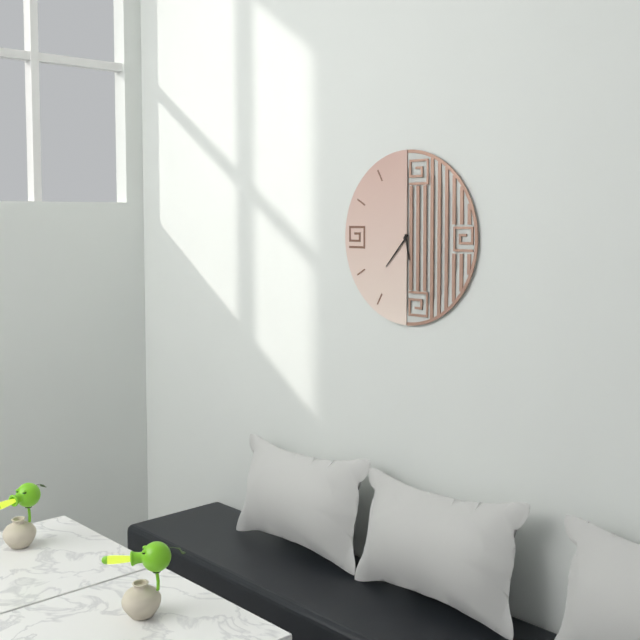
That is 5.37
